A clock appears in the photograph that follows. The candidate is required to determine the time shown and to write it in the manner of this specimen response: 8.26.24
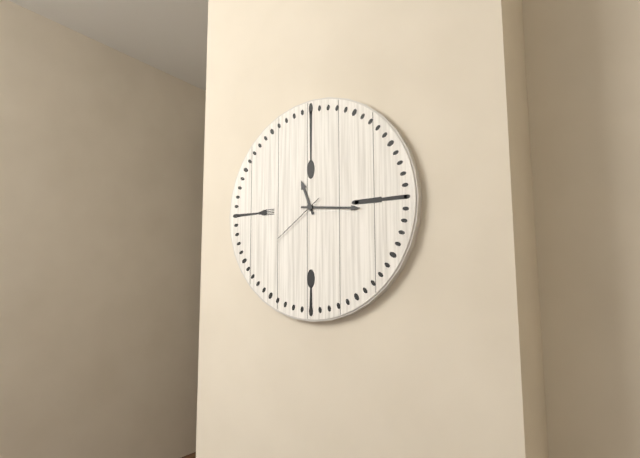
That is 11.16.39
